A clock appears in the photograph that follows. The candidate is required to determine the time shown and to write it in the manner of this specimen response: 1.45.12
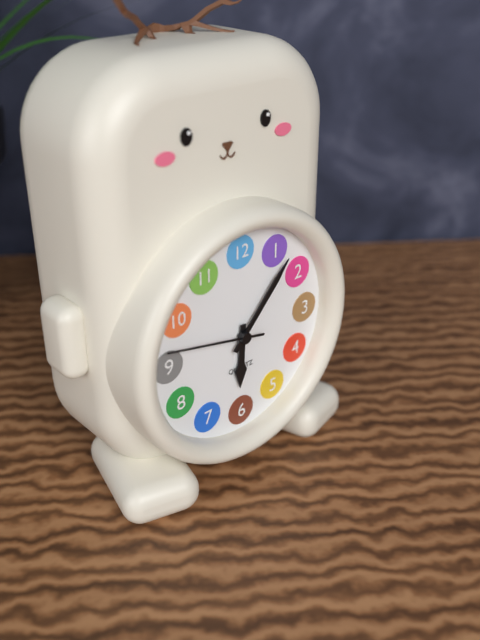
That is 6.07.47
